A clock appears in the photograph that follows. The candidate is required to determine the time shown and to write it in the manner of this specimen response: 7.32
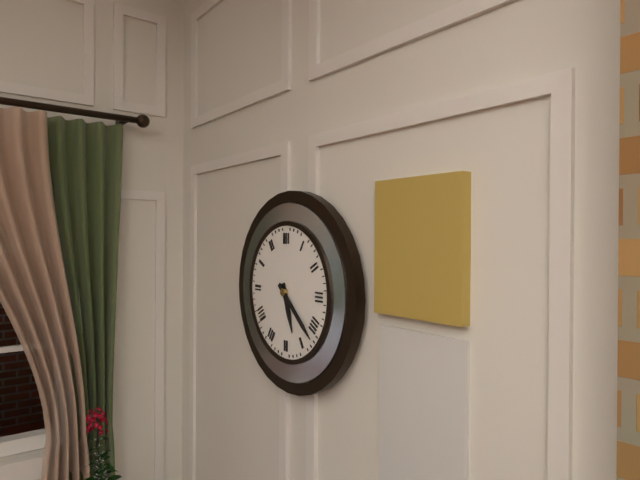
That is 5.22
